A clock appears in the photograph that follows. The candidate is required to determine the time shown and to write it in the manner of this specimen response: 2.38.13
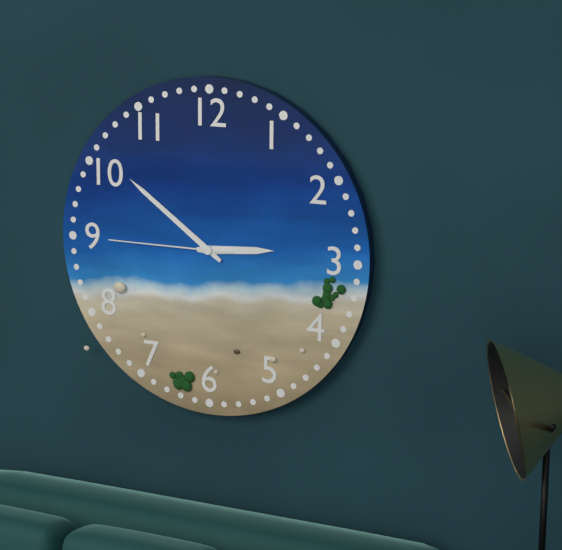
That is 2.51.45
